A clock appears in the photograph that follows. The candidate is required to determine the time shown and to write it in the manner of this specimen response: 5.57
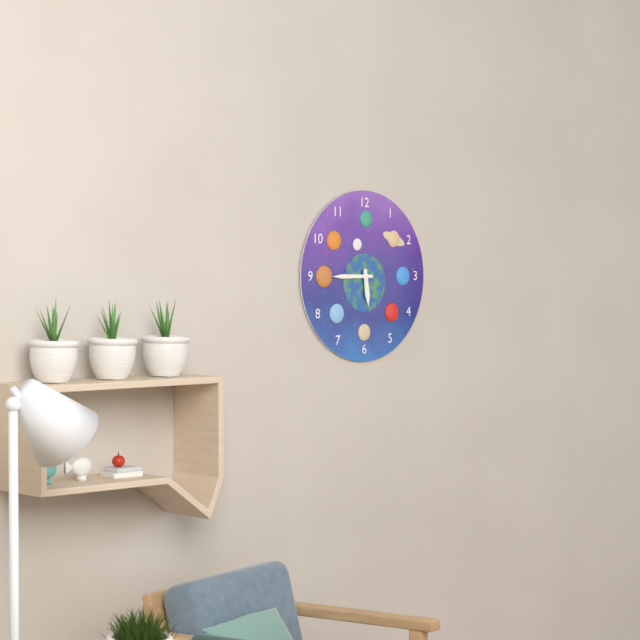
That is 5.45
